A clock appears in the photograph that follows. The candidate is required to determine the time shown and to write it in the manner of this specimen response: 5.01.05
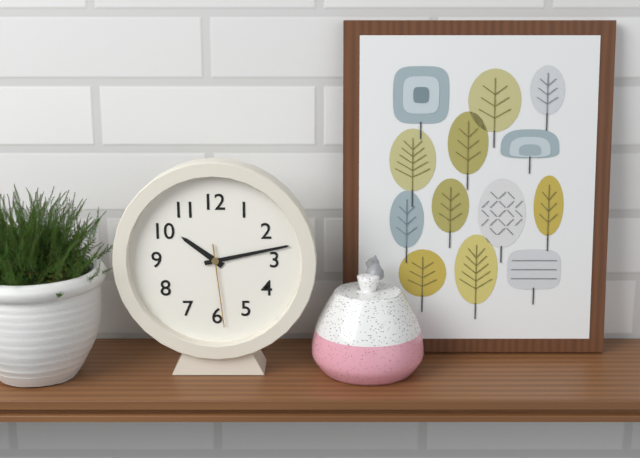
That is 10.13.29
